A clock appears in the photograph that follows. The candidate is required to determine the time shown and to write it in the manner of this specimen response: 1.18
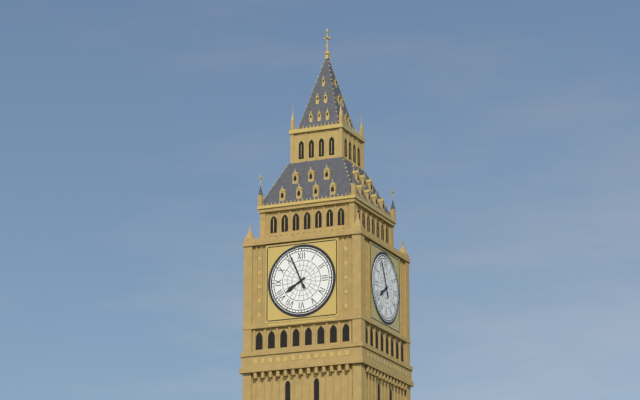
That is 7.56
